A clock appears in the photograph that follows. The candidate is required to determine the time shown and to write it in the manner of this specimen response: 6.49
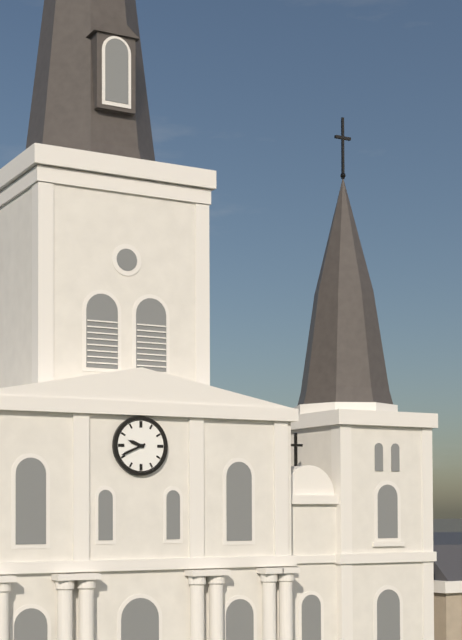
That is 9.41
